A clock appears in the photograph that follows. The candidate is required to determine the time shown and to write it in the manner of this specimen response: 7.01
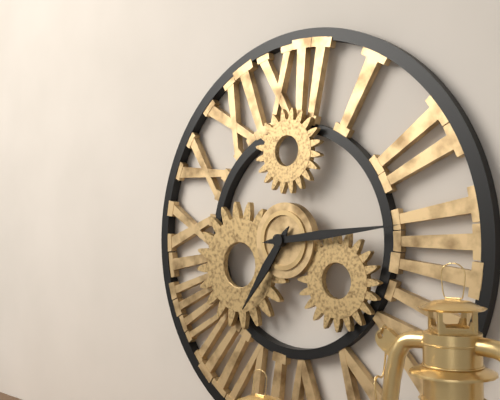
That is 7.14
